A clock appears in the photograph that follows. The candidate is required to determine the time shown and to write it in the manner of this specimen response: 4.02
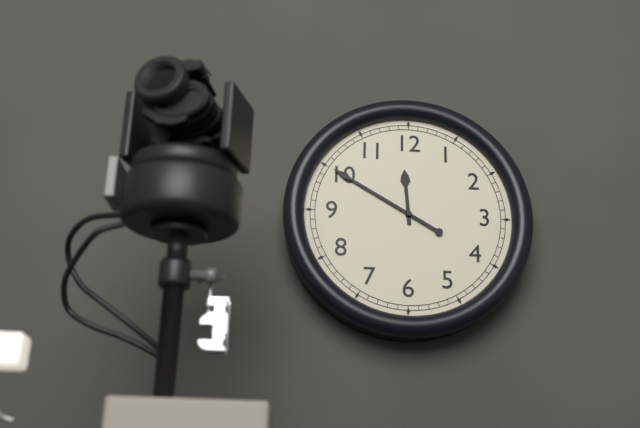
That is 11.50
